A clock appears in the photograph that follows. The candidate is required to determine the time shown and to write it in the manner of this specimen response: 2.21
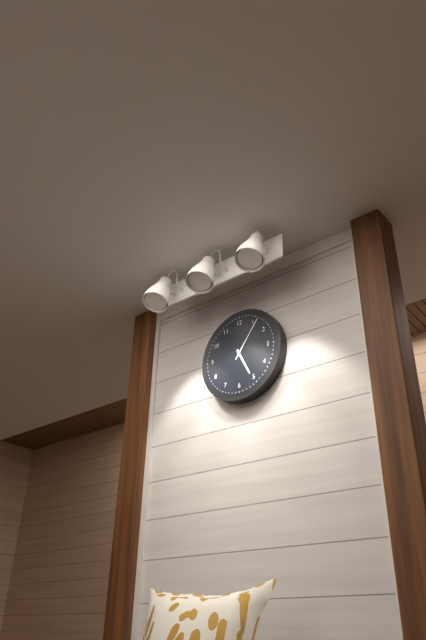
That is 5.06
